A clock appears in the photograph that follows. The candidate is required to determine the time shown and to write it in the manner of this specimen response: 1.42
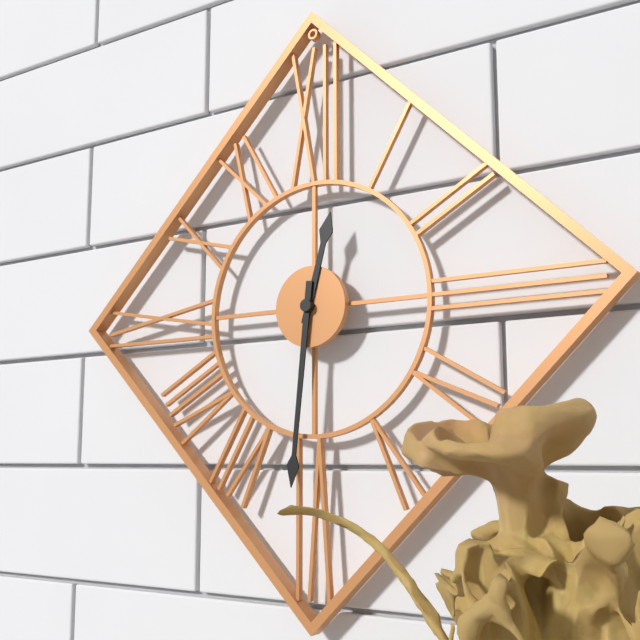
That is 12.31
